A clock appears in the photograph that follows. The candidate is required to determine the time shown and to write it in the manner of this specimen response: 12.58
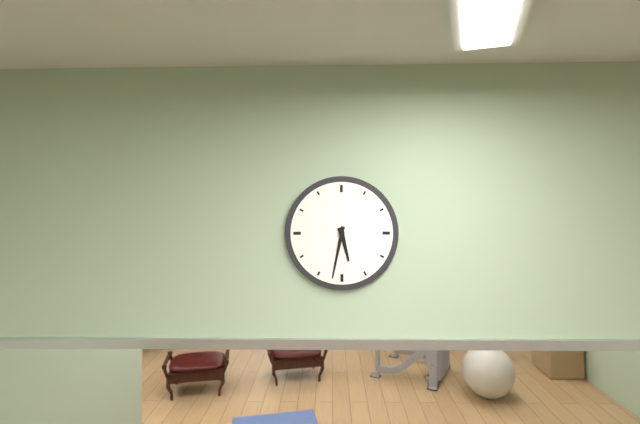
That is 5.32
